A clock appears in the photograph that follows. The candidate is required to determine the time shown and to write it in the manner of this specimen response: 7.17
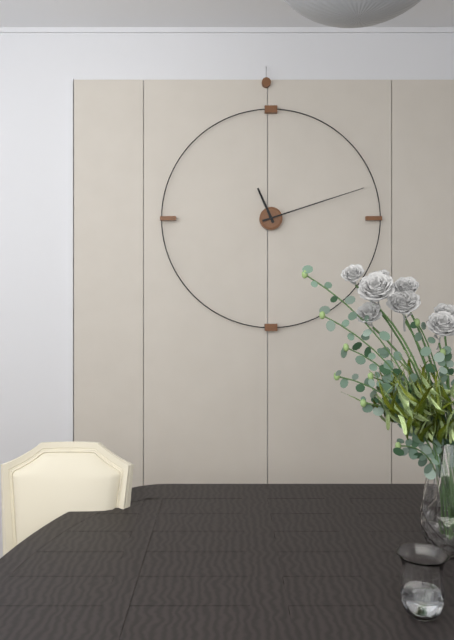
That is 11.12
